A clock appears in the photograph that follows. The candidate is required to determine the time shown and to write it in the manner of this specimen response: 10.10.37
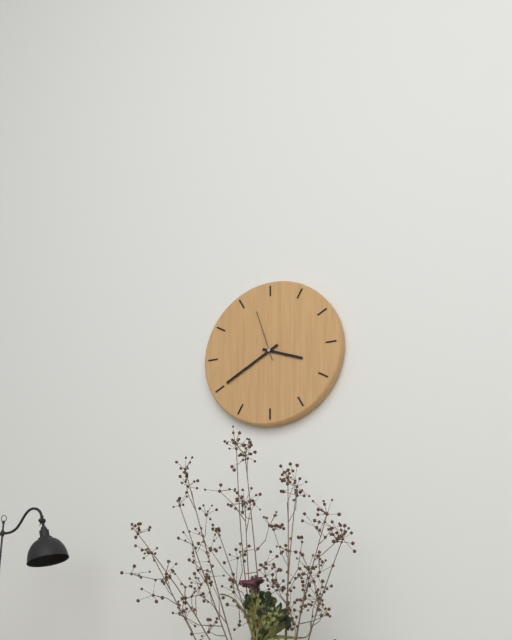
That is 3.40.57
